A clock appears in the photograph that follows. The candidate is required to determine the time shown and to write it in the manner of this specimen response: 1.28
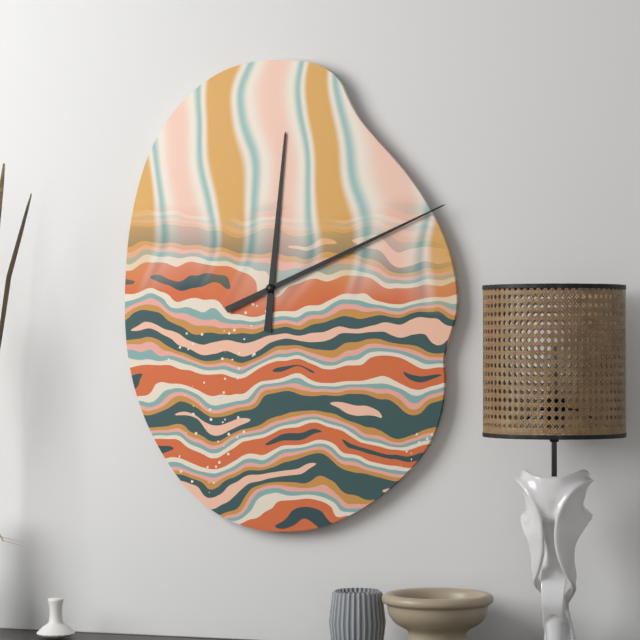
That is 12.11
